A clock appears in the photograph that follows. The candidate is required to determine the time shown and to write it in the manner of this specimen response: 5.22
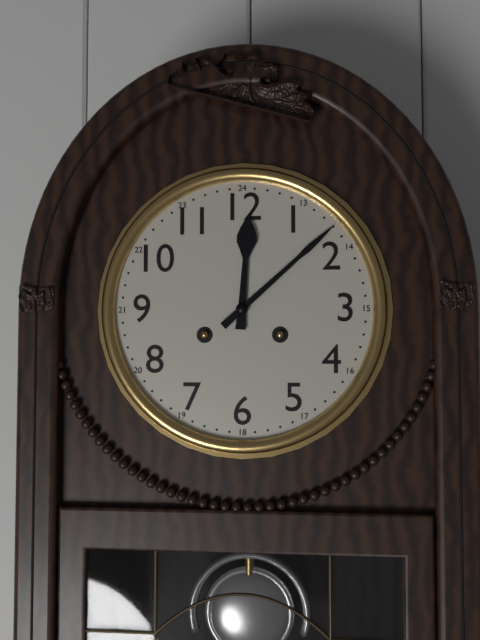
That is 12.08
